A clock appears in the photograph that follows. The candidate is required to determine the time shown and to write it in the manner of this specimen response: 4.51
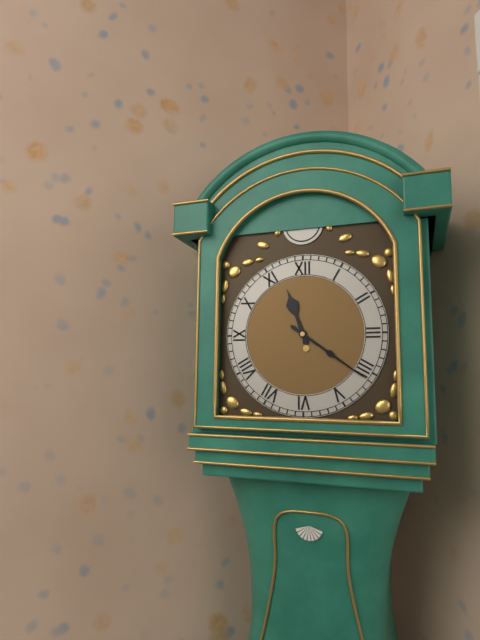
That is 11.21
